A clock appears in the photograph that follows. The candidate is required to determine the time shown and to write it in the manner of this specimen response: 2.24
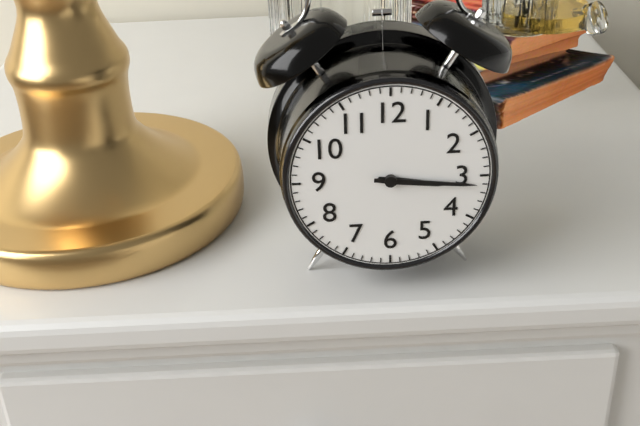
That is 3.16
